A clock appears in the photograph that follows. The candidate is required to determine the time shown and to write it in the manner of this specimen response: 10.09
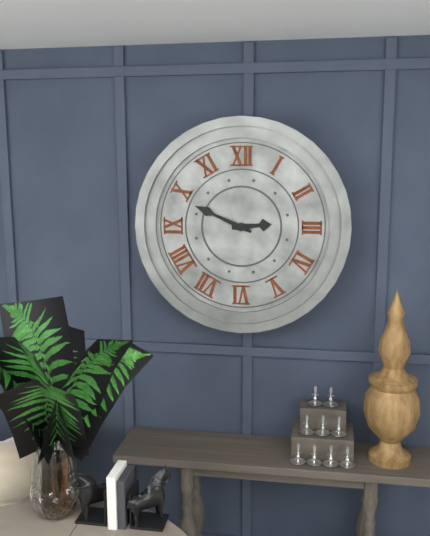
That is 2.49
